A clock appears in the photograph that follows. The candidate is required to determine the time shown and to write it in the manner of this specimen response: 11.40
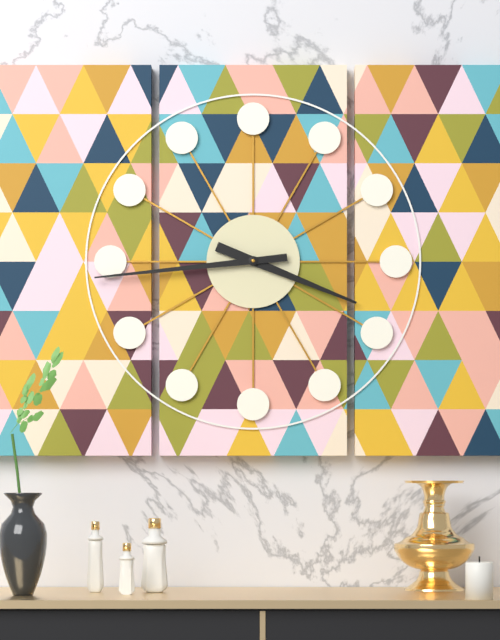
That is 3.44
